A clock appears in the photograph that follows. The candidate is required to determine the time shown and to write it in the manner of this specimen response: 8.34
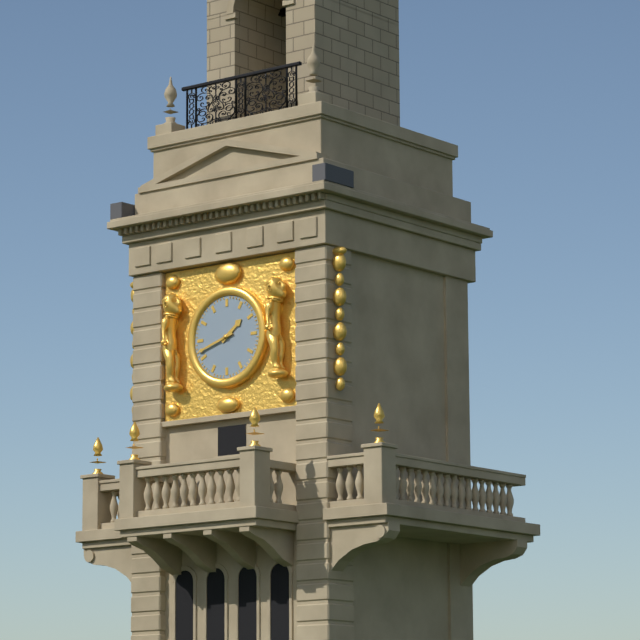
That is 1.42
